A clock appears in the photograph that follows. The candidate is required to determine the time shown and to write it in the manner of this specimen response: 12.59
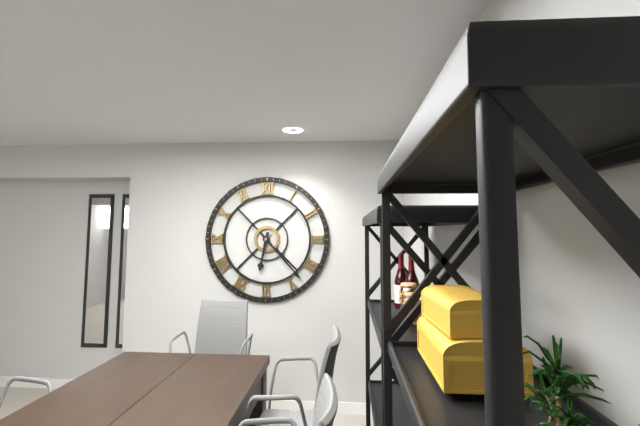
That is 6.23
